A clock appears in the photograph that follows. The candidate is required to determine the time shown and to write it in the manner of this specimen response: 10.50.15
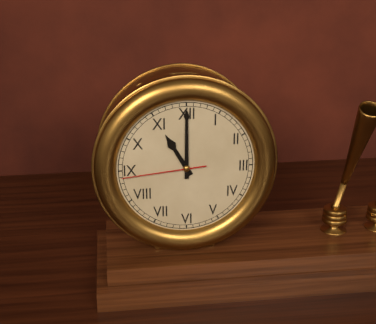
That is 11.00.44
